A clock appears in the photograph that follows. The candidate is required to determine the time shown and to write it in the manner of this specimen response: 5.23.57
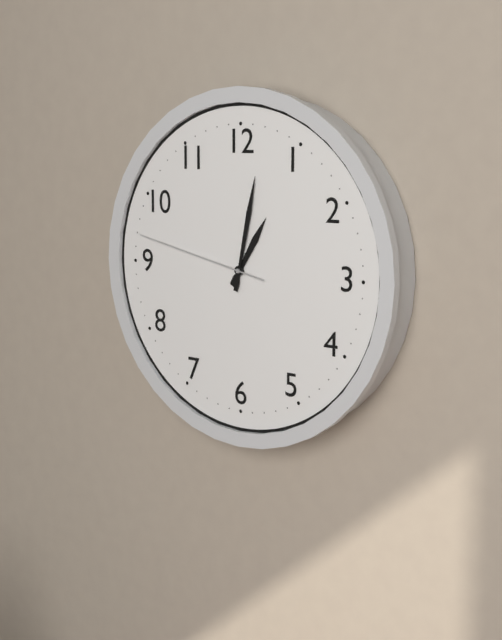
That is 1.02.47
